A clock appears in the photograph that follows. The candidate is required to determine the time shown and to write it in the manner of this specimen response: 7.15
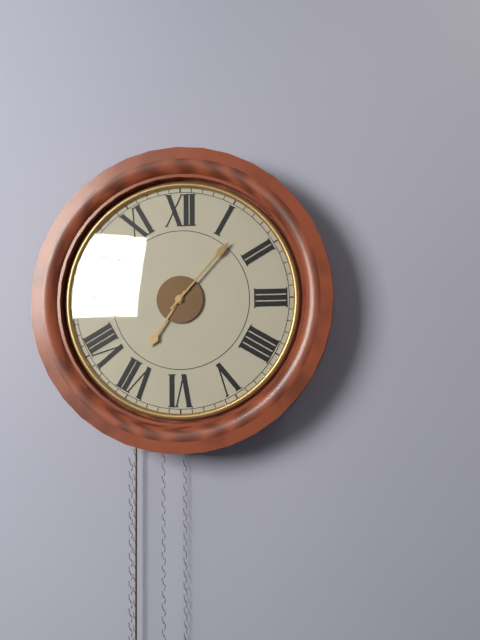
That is 7.07
